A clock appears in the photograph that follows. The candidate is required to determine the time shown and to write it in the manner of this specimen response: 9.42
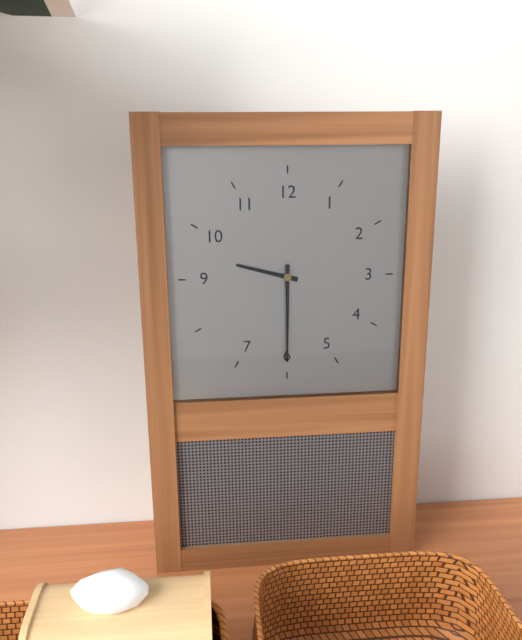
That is 9.30
